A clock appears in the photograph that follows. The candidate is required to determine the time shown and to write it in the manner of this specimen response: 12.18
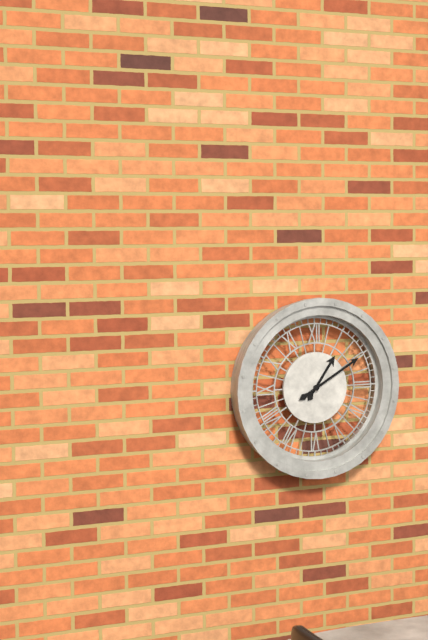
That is 1.10
